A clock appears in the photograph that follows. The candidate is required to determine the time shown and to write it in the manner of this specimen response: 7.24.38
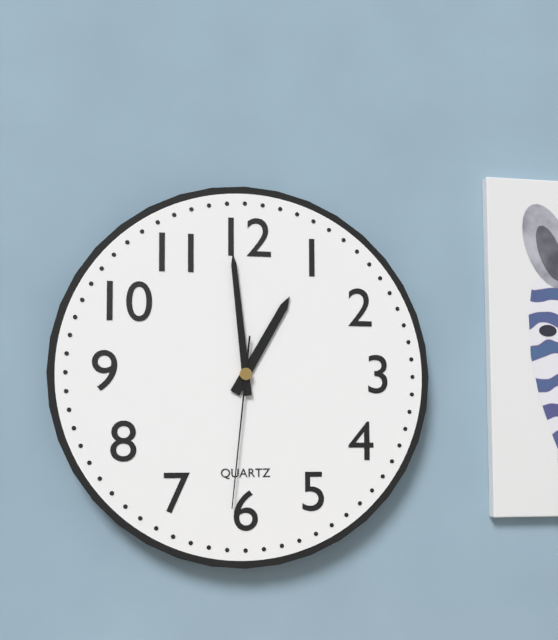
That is 12.59.31
